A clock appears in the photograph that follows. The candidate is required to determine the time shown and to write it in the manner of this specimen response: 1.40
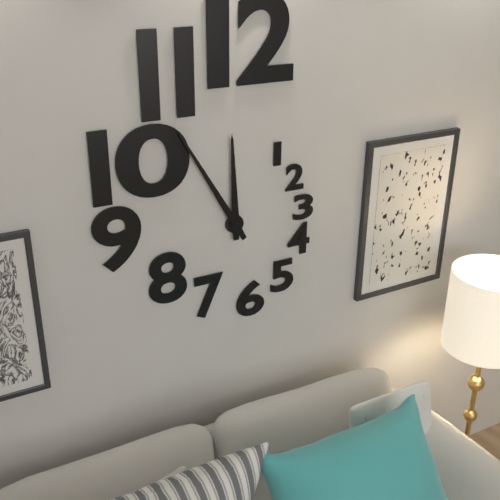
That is 11.55
